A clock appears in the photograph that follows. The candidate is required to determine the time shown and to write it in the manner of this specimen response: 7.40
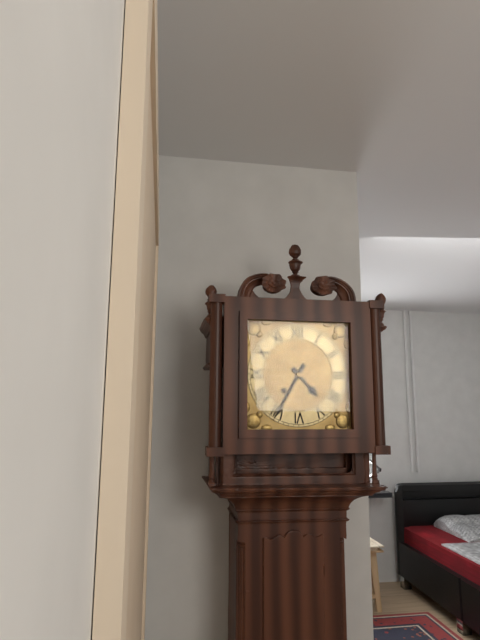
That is 4.35
